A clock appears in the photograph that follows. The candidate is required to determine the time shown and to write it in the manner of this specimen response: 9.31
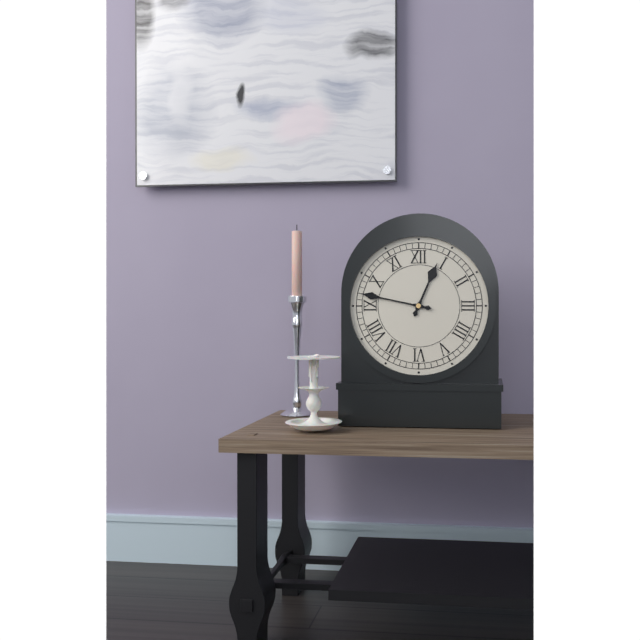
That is 12.47
